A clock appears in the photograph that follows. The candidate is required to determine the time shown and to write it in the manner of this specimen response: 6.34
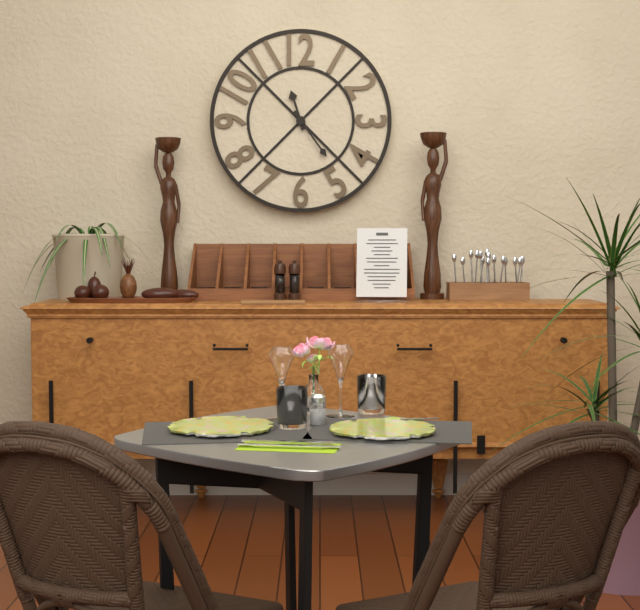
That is 11.24
